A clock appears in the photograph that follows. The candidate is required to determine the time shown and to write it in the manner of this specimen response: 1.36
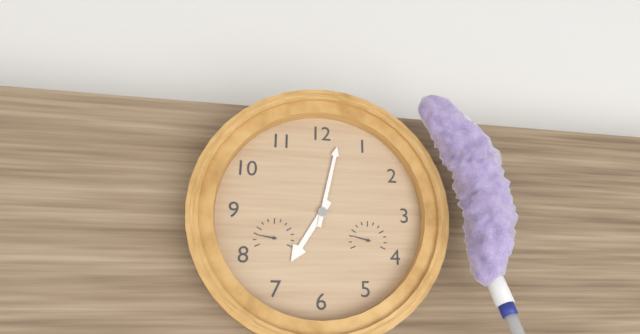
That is 7.02
